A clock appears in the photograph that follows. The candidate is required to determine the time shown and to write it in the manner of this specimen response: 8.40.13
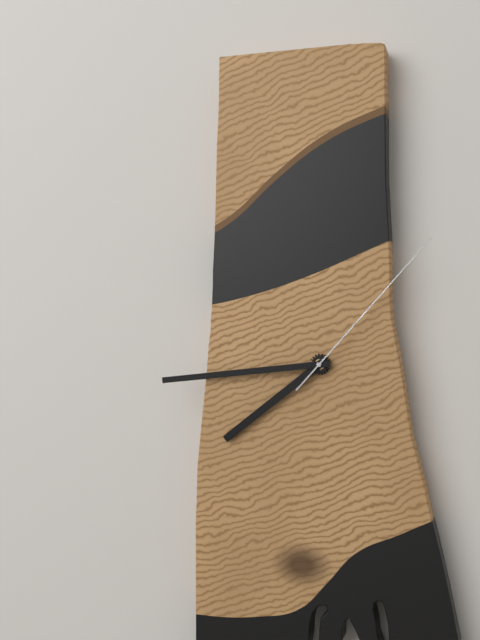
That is 7.44.07
